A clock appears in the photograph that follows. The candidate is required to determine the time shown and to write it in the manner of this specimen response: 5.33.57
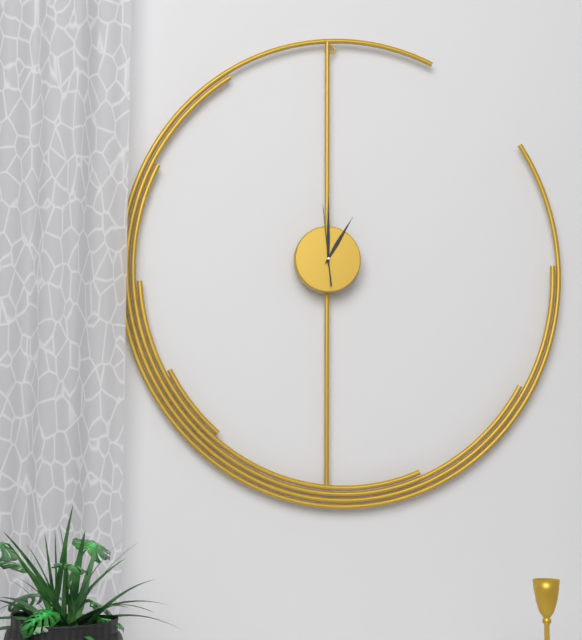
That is 1.00.59
